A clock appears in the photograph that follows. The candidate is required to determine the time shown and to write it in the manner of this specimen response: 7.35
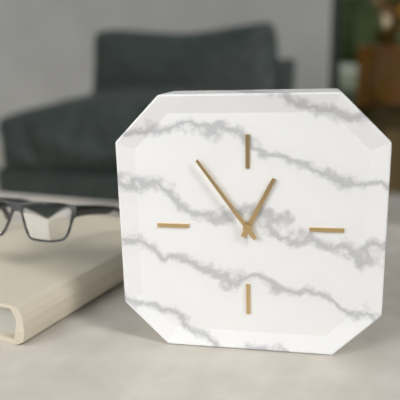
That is 12.54
